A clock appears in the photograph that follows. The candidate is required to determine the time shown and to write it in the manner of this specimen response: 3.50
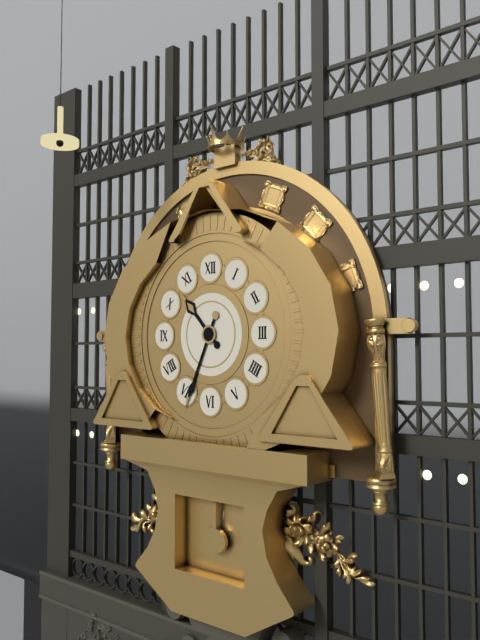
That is 10.34
